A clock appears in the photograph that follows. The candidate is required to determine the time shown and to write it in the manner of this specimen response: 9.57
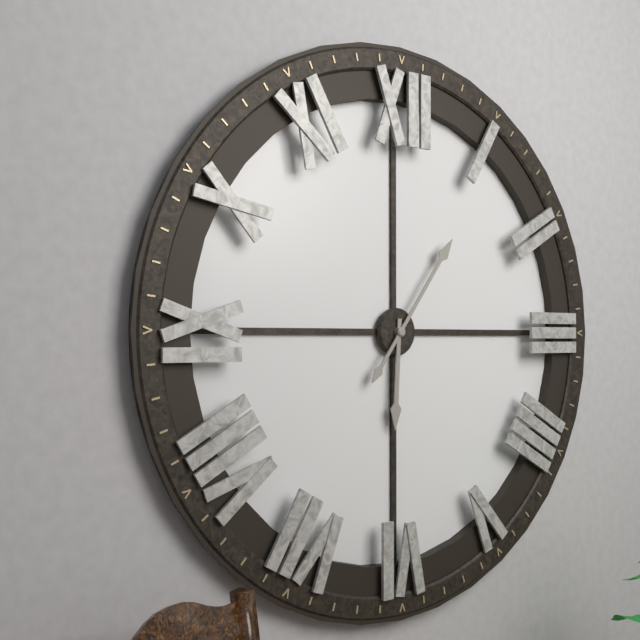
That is 6.06
